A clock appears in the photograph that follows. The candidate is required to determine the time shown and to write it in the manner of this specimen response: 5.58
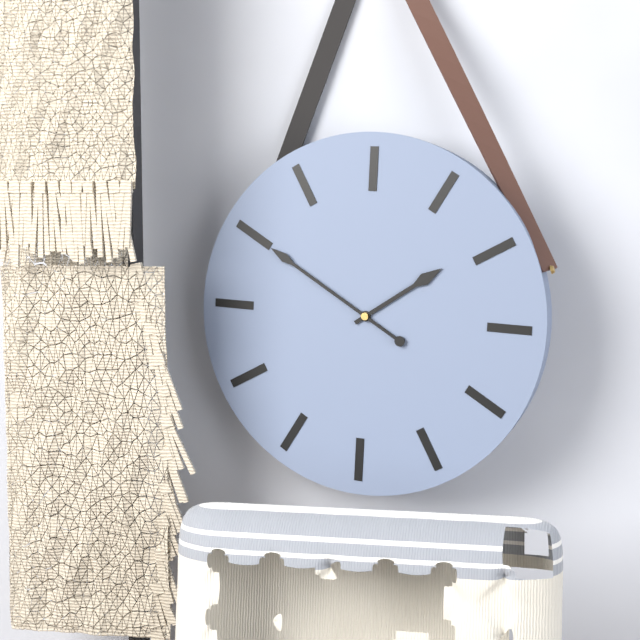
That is 1.50
